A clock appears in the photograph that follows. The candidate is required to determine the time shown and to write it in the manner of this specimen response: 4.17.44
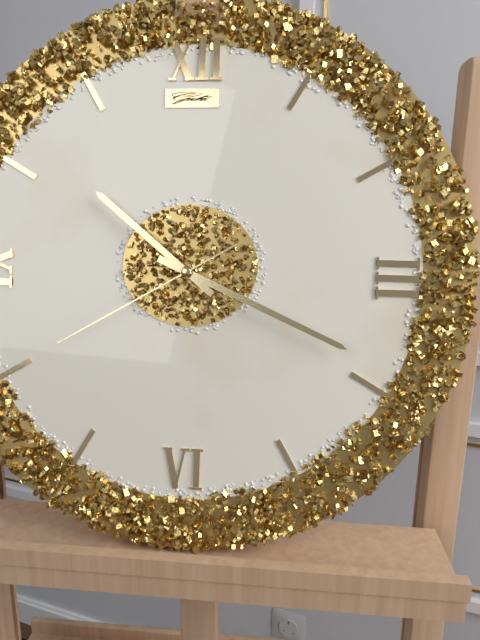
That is 10.19.40
